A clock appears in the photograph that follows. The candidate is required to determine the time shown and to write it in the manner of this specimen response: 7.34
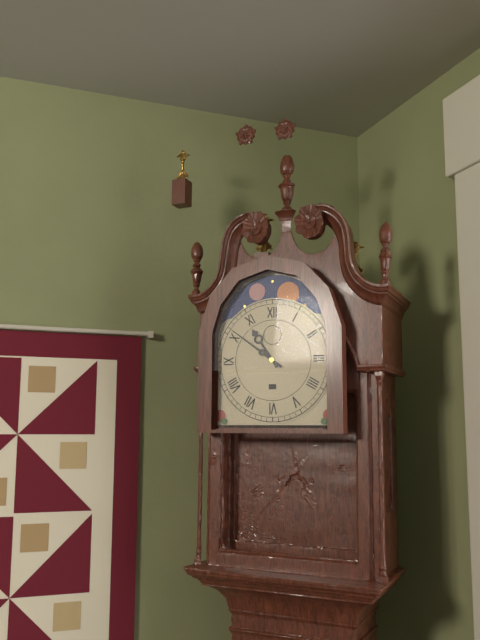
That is 10.51
